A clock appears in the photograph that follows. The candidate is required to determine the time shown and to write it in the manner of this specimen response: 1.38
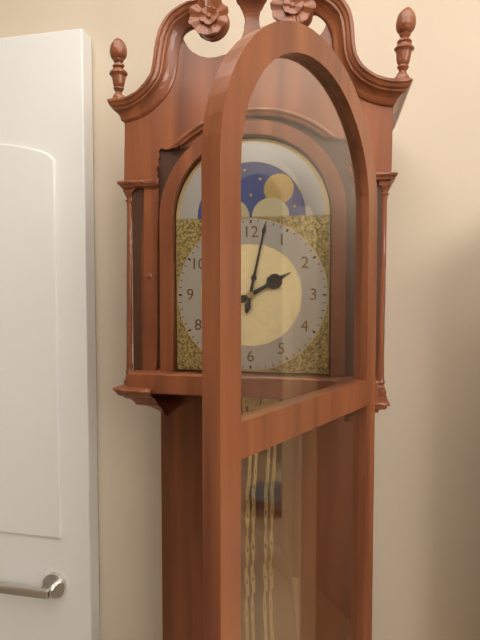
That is 2.02
